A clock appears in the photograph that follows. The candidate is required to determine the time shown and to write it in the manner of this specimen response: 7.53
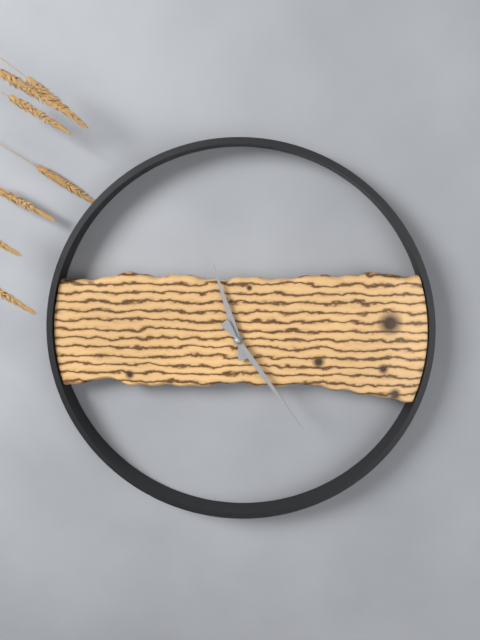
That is 11.24
